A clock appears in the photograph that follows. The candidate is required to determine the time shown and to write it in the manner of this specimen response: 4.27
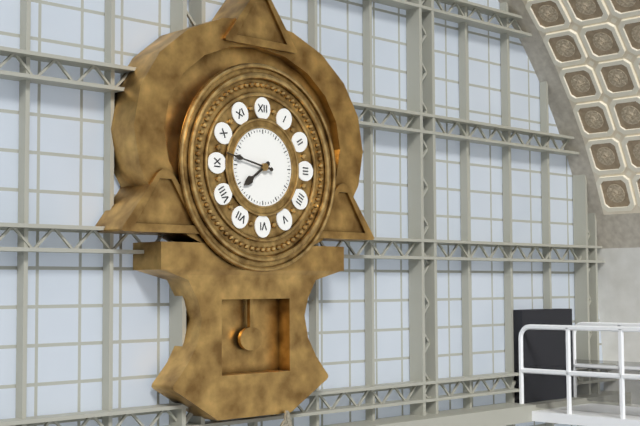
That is 7.47
